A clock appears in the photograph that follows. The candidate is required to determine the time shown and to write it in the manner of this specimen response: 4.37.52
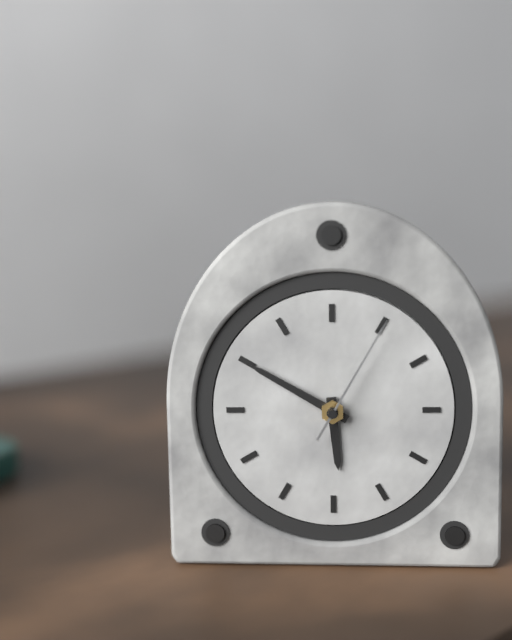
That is 5.50.05
